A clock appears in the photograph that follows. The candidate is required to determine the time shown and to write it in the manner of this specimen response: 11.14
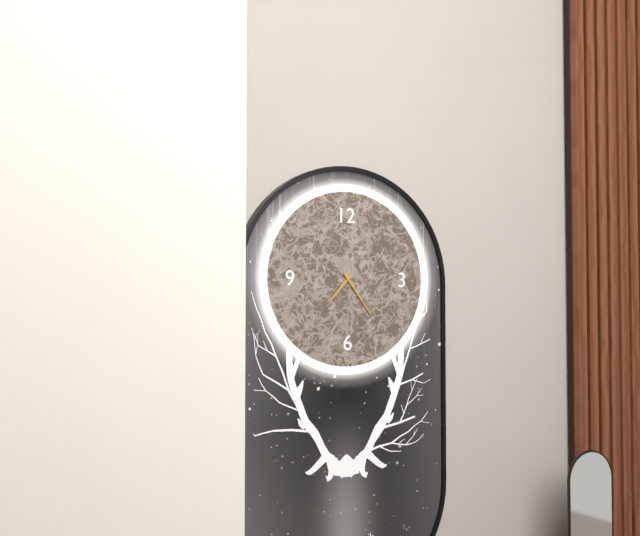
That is 7.24
